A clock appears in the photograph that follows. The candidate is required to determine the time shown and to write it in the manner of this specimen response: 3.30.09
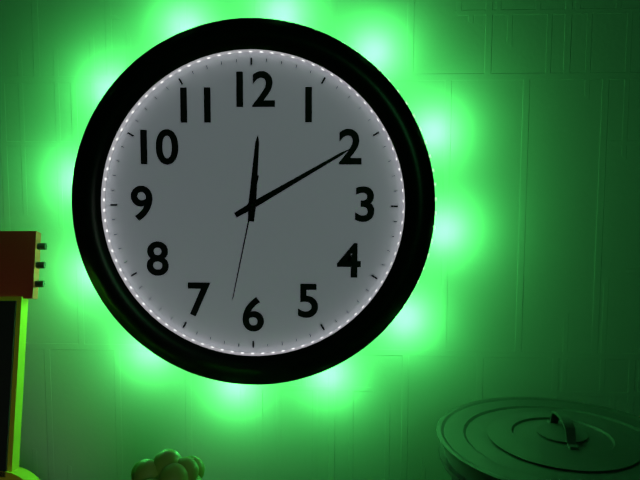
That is 12.10.32
